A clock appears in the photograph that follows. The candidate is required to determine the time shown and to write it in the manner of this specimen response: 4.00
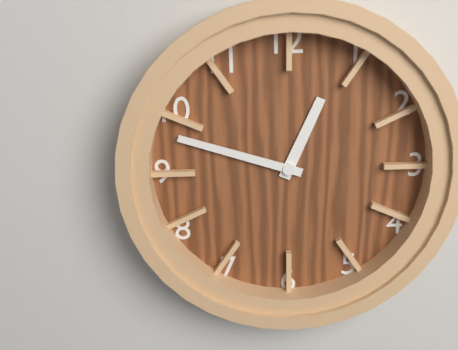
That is 12.48
